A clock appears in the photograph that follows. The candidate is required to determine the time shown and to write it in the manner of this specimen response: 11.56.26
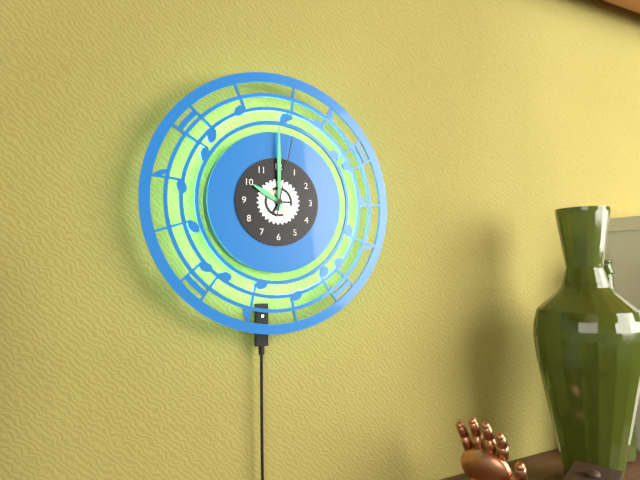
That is 10.00.02
